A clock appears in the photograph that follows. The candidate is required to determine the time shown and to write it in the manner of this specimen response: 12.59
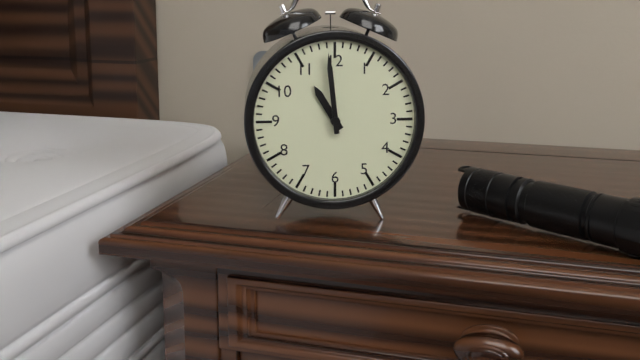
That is 10.59
